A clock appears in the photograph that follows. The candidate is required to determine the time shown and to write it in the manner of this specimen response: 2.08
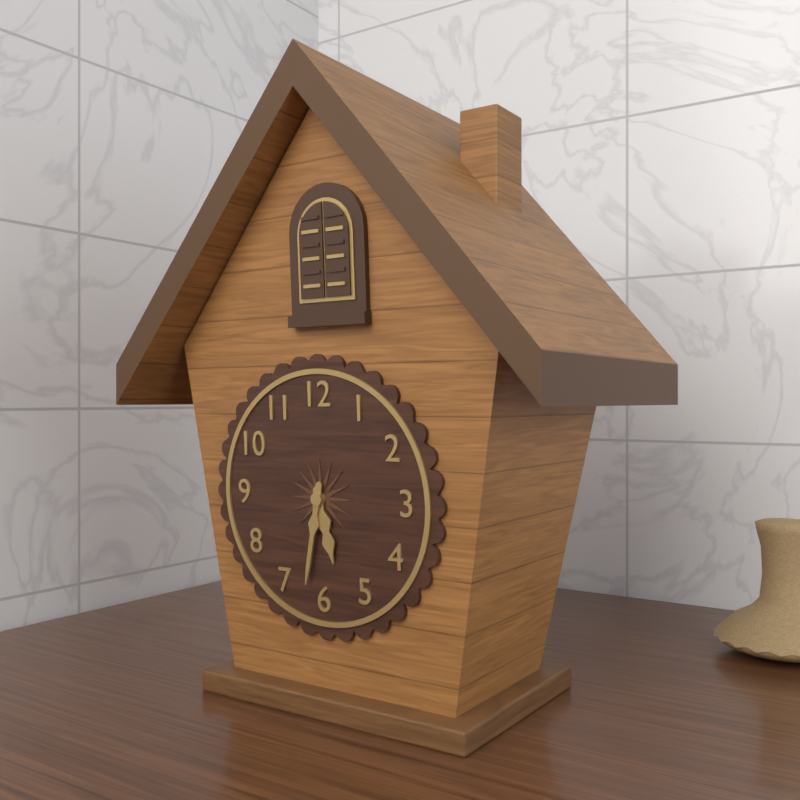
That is 5.32
